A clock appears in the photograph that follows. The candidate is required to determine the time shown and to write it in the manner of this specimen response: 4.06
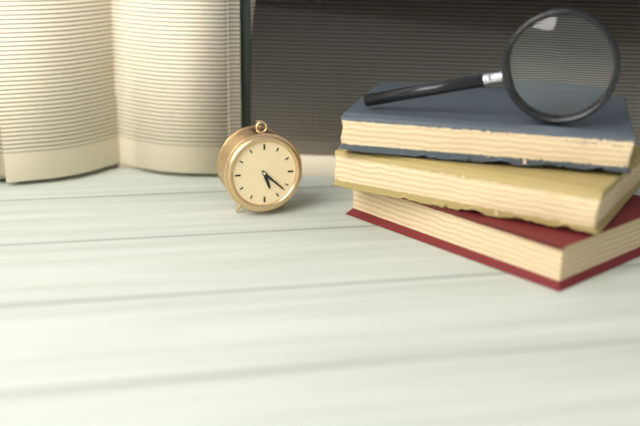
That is 5.22
